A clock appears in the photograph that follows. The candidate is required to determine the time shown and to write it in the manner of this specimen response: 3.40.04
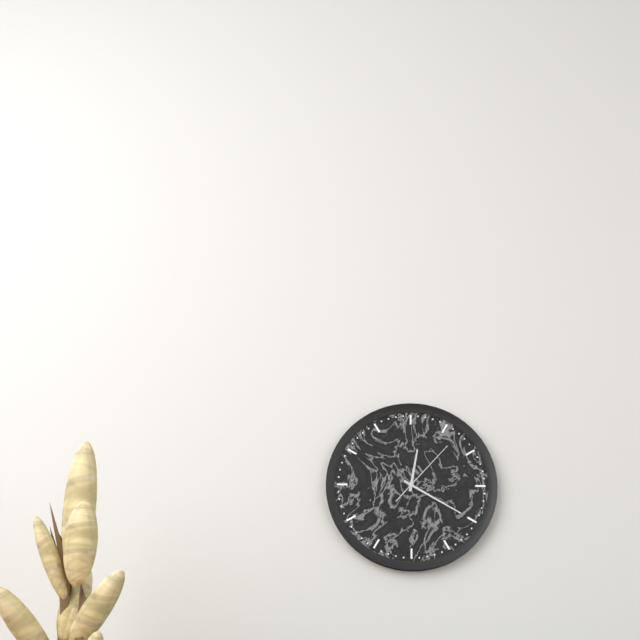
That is 12.20.07
